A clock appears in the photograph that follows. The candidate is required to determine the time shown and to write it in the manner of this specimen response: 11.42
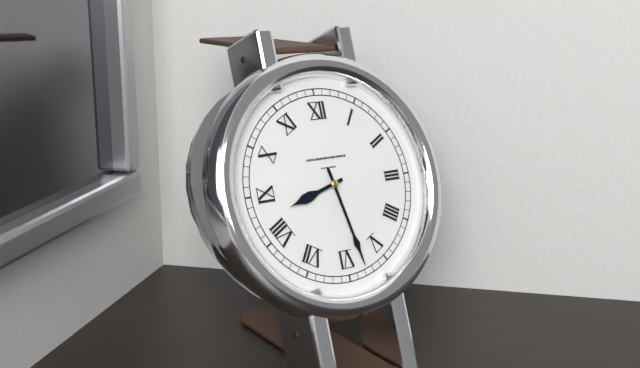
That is 8.28
